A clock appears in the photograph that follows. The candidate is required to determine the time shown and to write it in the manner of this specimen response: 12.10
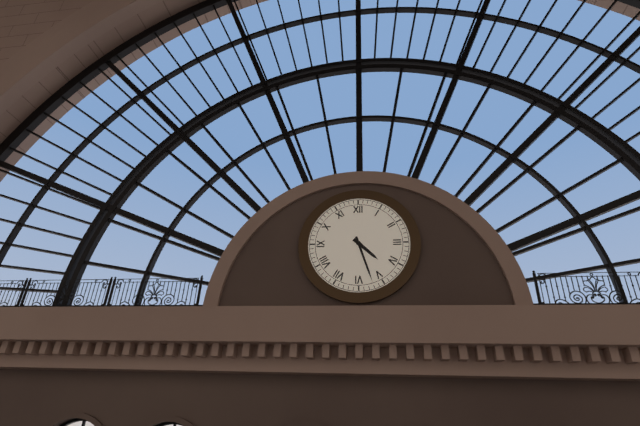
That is 4.27
